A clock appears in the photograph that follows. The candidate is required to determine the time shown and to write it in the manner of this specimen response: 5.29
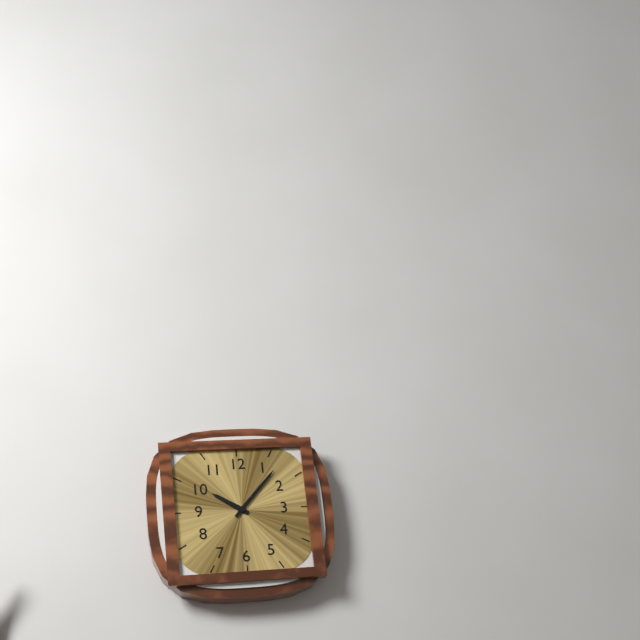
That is 10.07
